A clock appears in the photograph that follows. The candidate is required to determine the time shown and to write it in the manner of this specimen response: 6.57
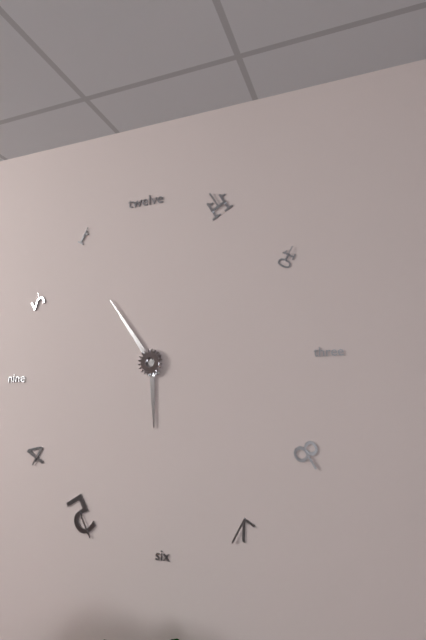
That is 5.54
